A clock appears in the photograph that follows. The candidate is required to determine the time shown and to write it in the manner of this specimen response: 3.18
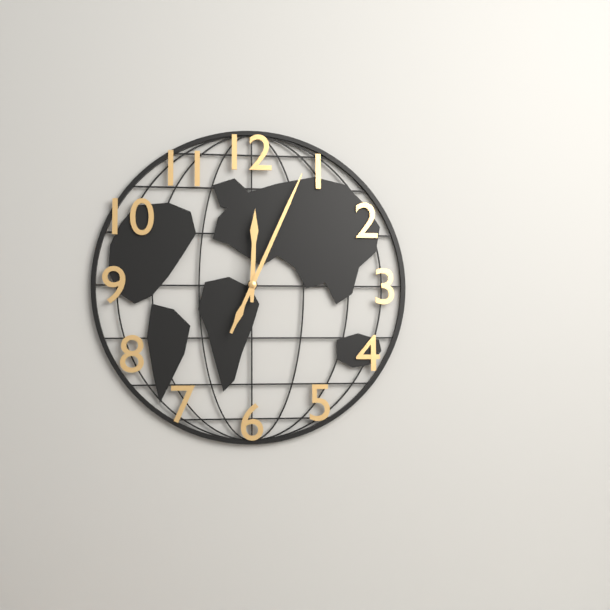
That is 12.04
